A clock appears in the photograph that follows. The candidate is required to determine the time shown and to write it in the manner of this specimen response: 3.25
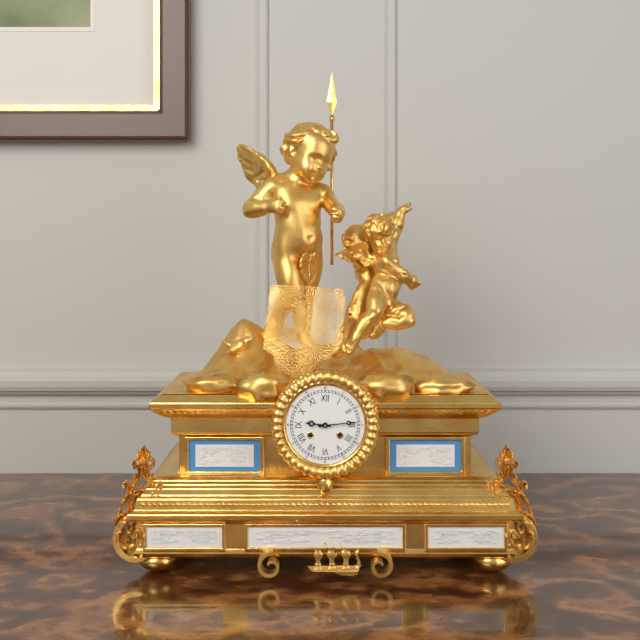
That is 9.14
